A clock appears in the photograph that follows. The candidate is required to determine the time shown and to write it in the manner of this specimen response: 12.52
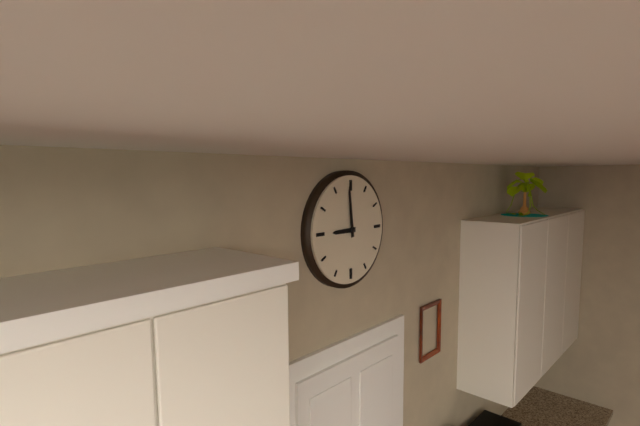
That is 8.59
